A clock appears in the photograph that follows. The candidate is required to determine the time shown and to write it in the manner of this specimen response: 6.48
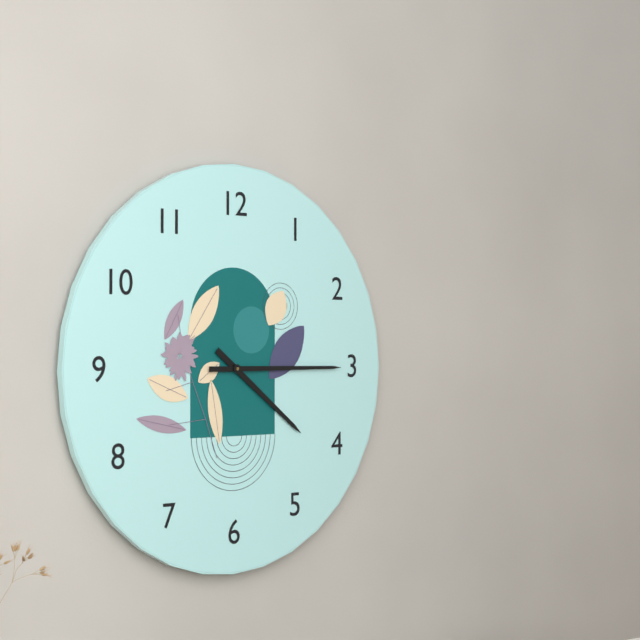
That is 4.15
